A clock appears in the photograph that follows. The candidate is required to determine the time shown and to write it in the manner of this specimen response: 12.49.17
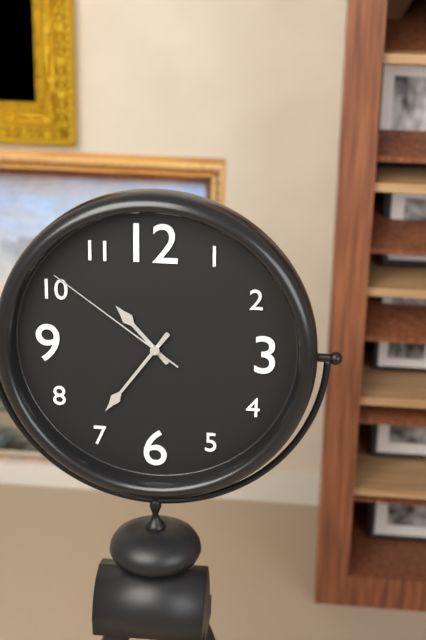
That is 10.36.51
